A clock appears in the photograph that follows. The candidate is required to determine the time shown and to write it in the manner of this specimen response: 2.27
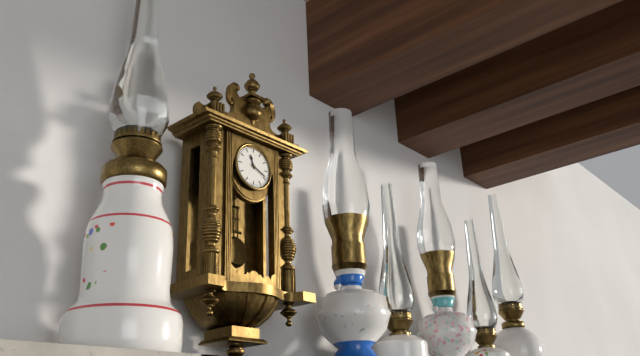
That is 11.19
